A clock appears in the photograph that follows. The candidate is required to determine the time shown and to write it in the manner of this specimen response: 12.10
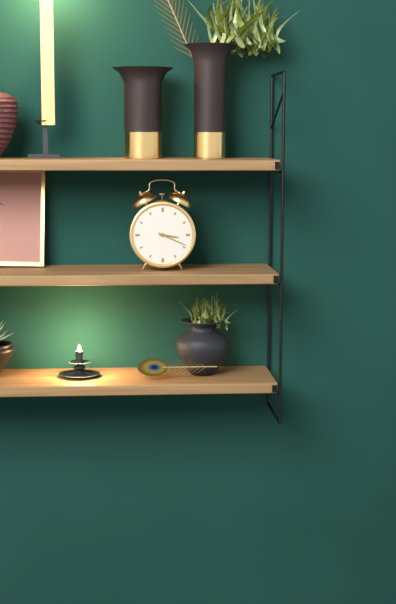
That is 3.19
